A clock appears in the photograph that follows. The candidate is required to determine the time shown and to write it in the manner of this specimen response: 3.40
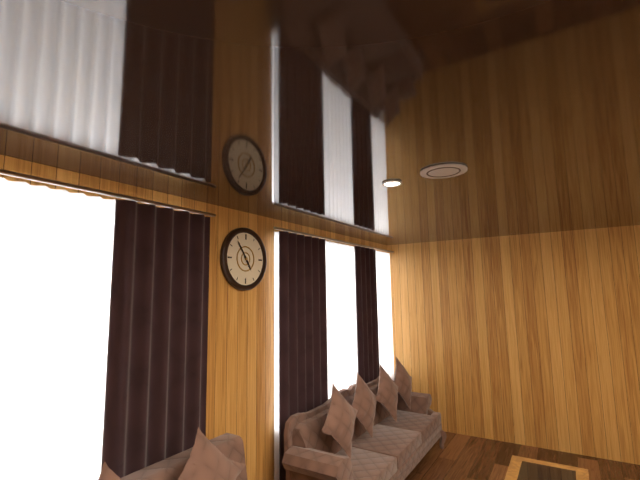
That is 4.54
